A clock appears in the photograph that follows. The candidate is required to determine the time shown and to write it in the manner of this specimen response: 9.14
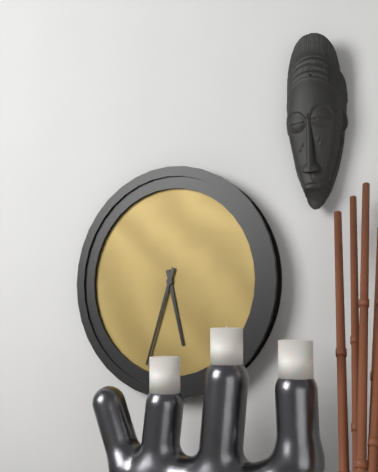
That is 5.33
